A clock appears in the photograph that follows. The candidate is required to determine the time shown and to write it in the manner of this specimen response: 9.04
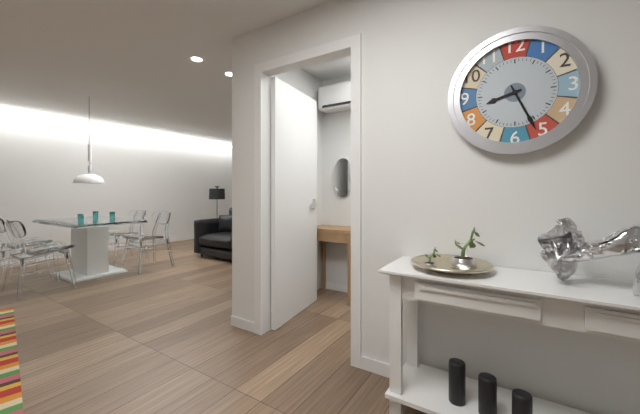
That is 8.26
